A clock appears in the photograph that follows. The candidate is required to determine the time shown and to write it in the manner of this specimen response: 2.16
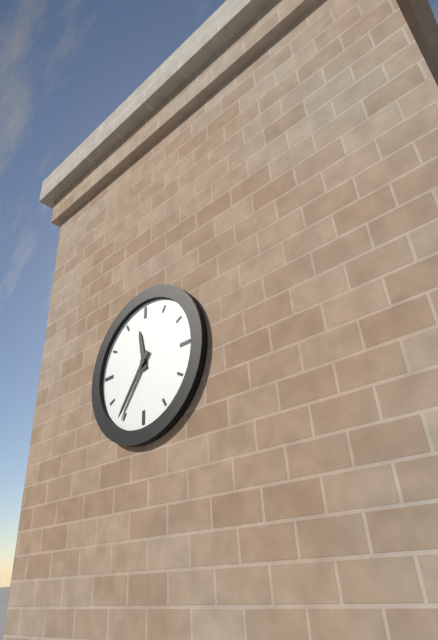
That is 11.36
